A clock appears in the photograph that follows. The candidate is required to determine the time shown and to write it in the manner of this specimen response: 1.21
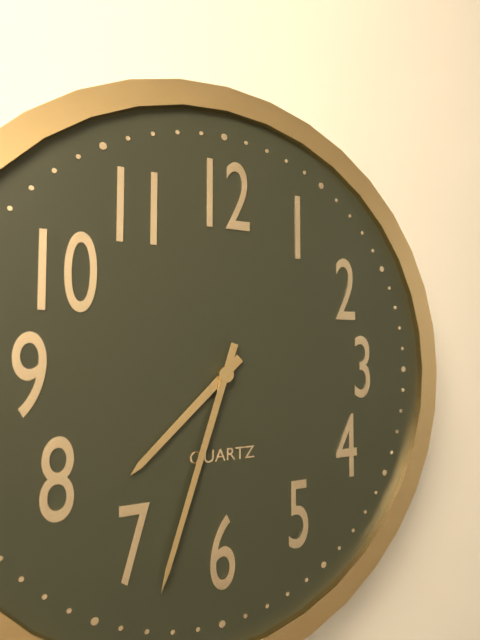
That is 7.33
